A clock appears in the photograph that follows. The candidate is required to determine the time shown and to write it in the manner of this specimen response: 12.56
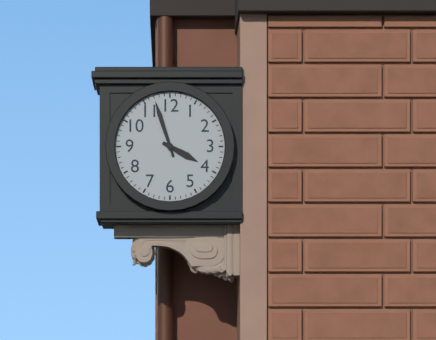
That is 3.57
